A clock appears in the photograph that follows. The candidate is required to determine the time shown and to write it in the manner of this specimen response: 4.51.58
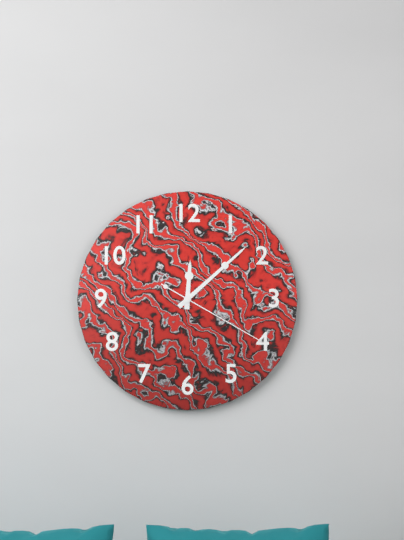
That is 12.08.20
